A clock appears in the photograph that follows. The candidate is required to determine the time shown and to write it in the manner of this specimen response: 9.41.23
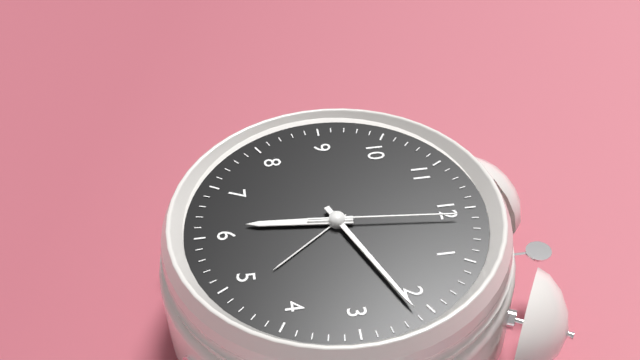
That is 6.11.01
